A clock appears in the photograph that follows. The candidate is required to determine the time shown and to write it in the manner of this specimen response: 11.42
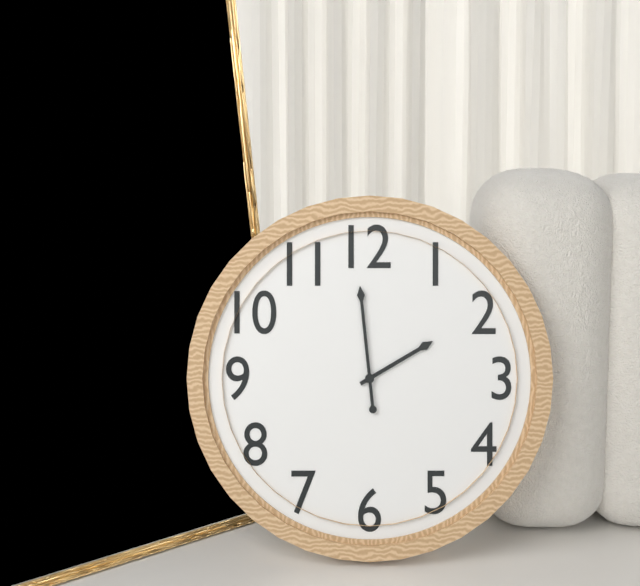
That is 1.59
